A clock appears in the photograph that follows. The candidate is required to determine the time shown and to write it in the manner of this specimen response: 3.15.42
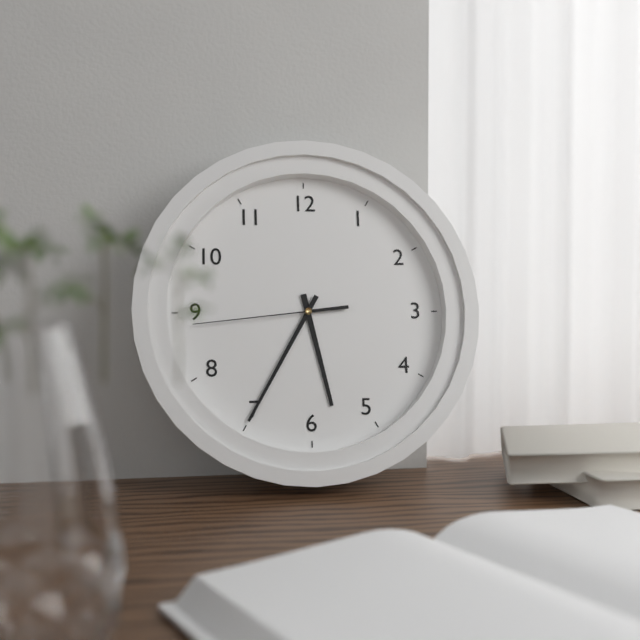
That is 5.35.44
